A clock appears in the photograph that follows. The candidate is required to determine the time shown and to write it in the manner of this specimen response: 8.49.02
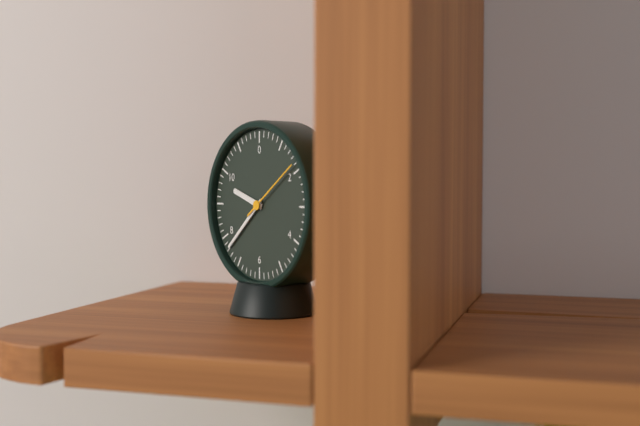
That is 9.38.09
